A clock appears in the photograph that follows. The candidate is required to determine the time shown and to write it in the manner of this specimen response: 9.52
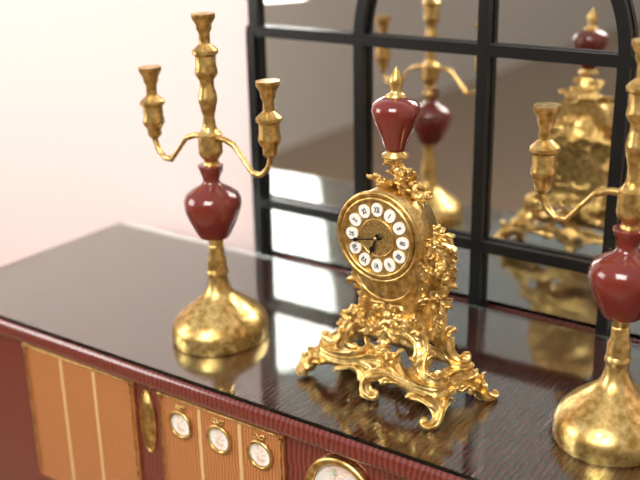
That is 6.43
